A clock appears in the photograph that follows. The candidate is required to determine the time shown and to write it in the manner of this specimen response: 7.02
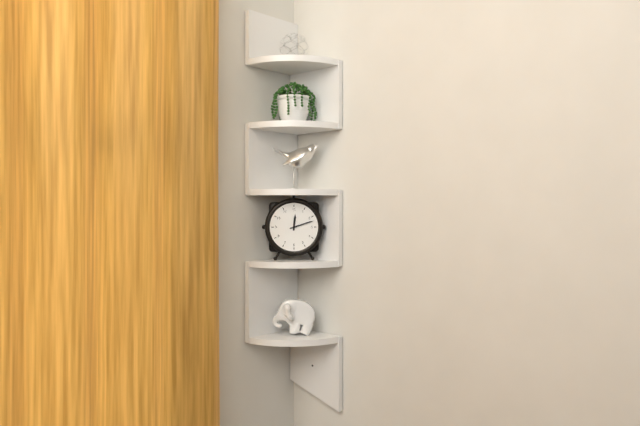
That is 12.12
